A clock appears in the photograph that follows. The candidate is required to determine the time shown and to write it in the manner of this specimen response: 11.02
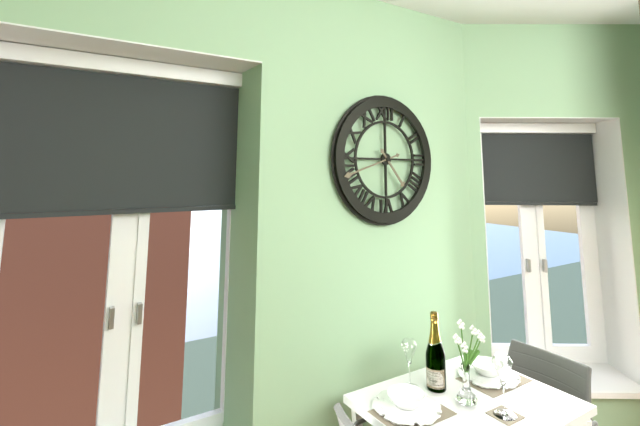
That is 4.42
